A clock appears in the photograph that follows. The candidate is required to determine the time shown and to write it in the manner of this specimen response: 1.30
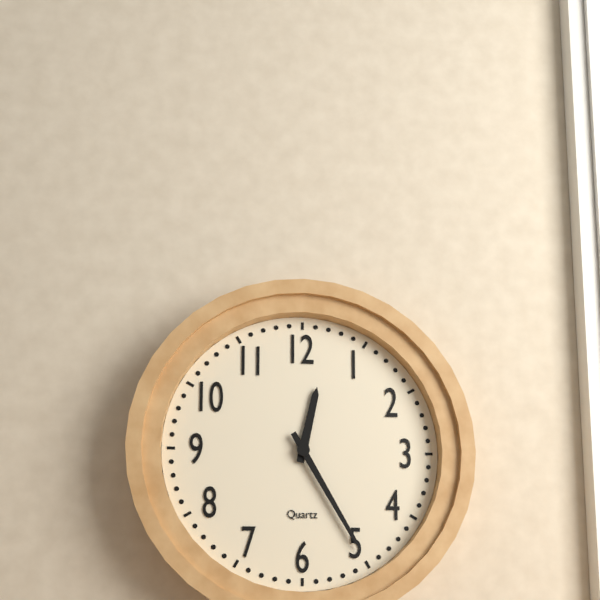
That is 12.25
